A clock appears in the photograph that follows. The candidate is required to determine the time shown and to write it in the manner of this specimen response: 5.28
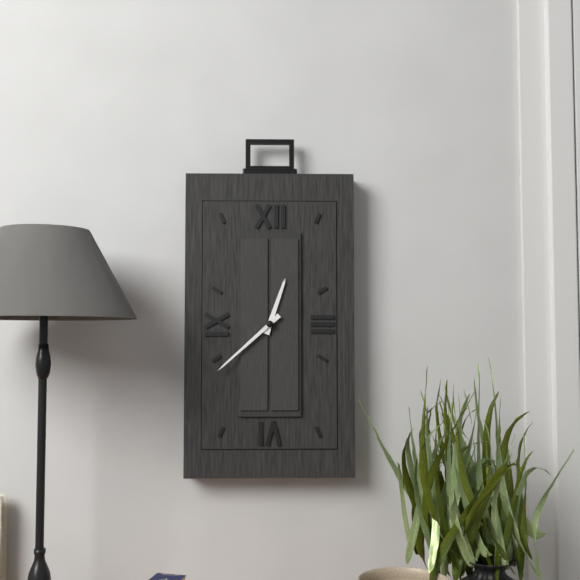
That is 12.38
